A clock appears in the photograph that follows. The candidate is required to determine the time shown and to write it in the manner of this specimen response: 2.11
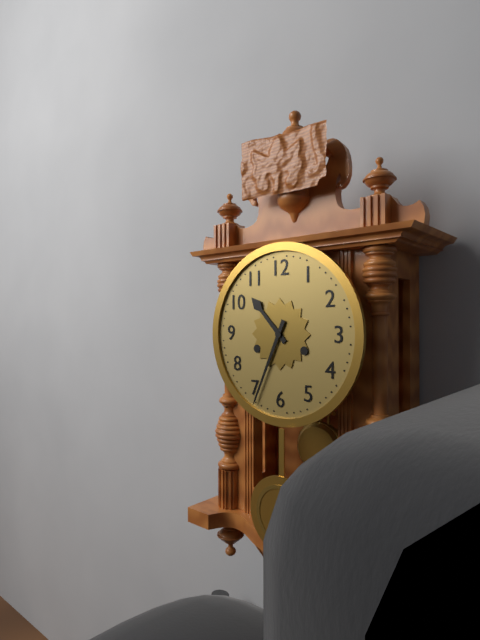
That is 10.34
